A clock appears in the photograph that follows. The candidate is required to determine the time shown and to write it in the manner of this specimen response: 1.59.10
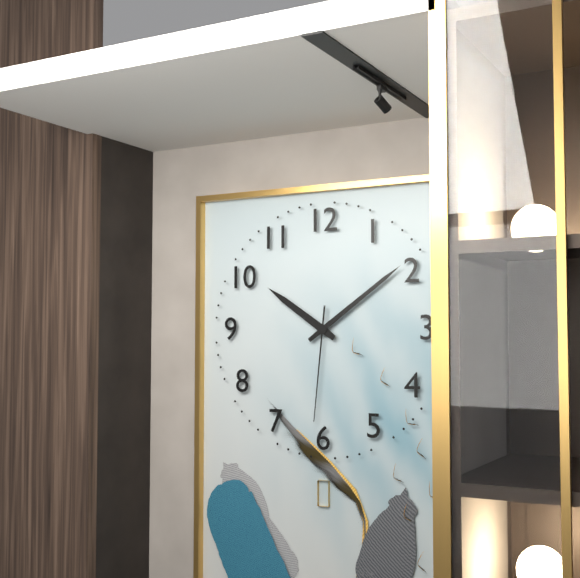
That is 10.09.31
